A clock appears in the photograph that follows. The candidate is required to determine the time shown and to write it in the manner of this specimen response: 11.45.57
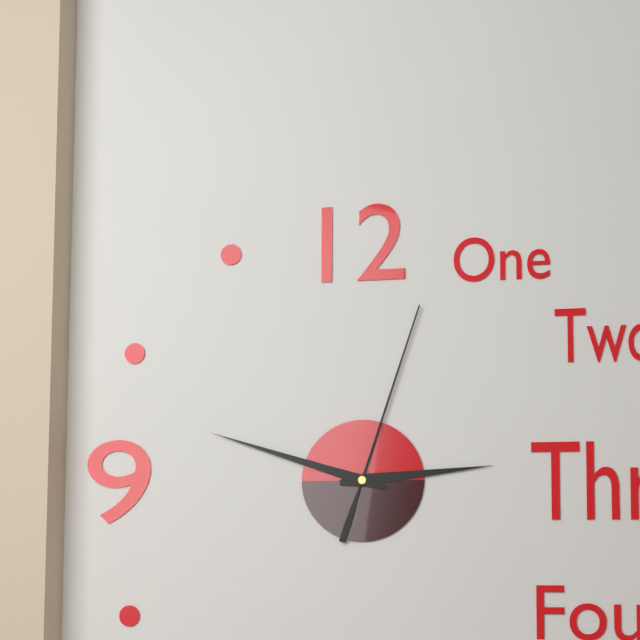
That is 2.48.03
